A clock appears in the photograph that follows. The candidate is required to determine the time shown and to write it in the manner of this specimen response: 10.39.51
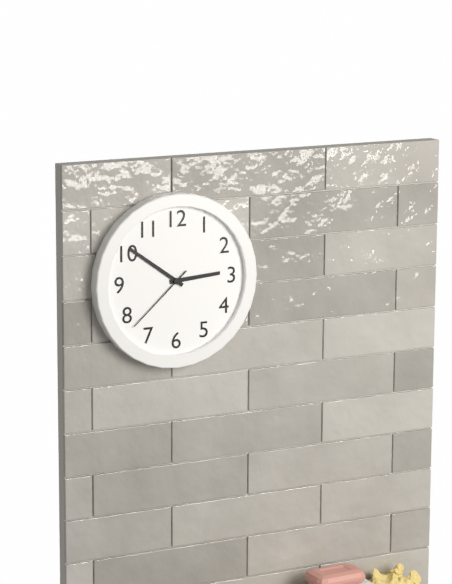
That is 2.51.38
